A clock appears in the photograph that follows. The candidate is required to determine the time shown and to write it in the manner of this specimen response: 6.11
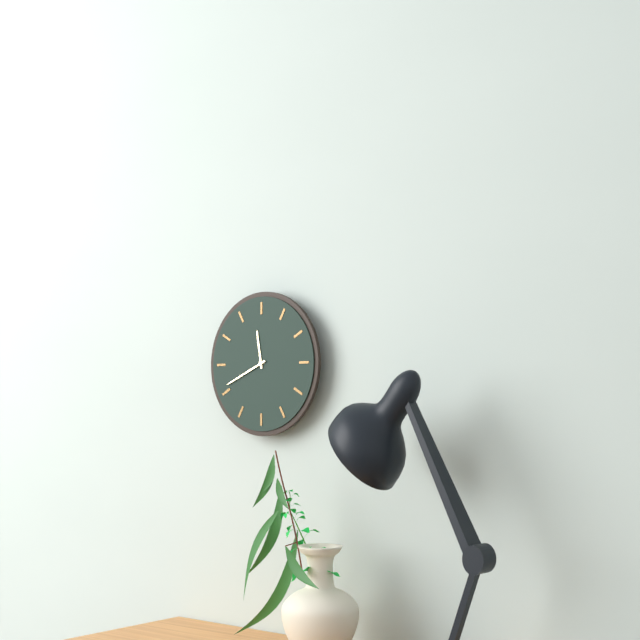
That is 11.41
